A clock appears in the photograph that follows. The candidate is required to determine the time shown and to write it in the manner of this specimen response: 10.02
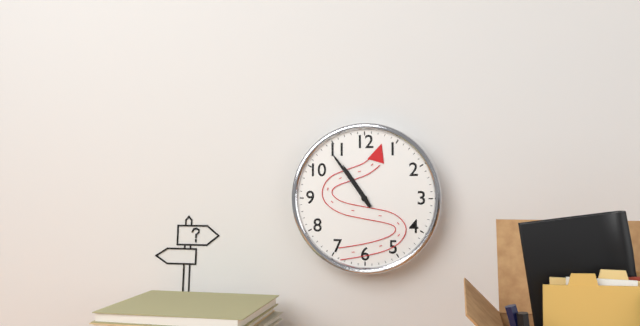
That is 10.54
